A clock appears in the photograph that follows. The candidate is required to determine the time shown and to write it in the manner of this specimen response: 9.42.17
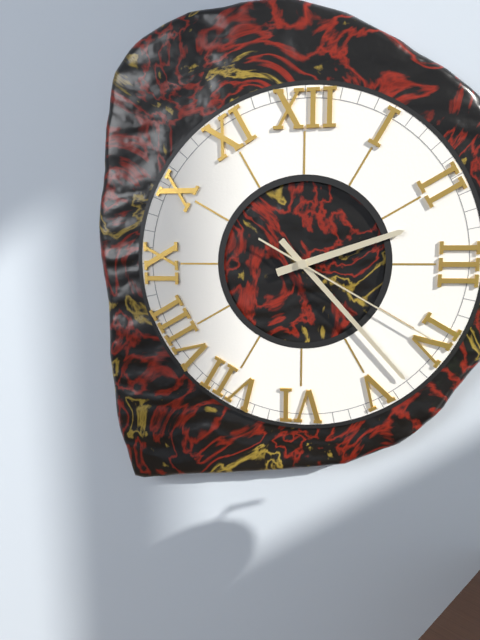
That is 2.23.20
